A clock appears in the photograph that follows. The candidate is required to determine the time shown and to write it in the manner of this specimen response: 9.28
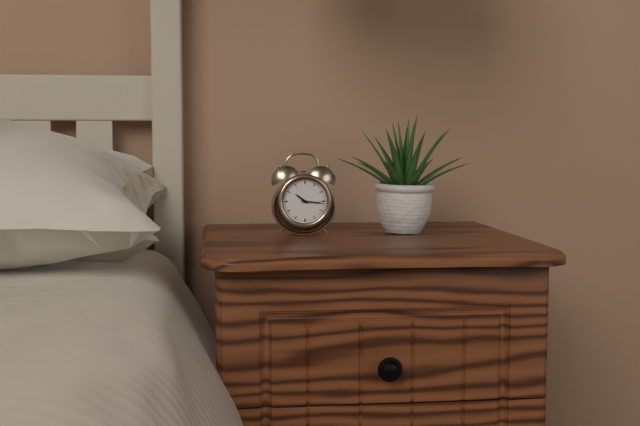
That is 10.16
